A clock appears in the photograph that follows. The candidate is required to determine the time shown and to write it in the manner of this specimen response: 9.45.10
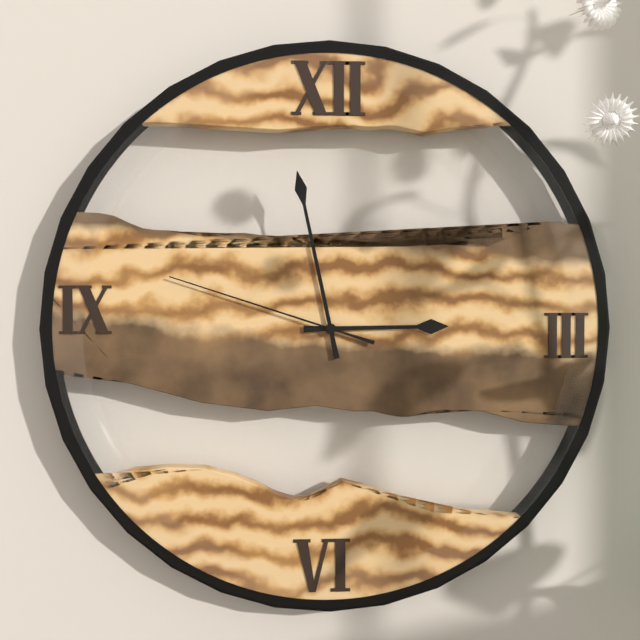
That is 2.58.48
